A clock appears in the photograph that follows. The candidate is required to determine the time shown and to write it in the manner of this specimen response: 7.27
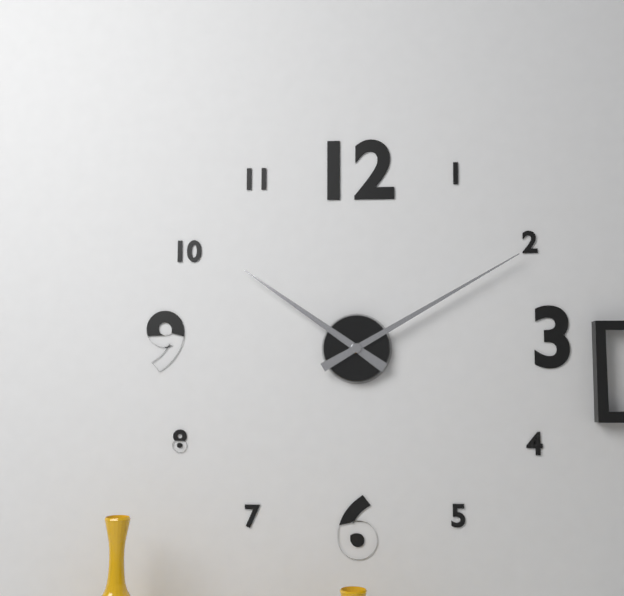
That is 10.10
